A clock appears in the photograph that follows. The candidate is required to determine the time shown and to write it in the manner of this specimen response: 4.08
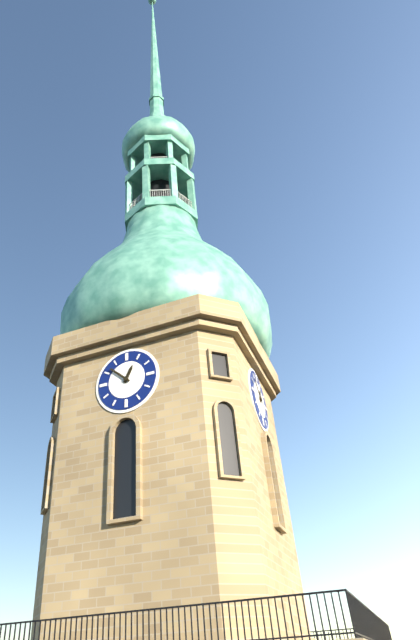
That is 12.52
